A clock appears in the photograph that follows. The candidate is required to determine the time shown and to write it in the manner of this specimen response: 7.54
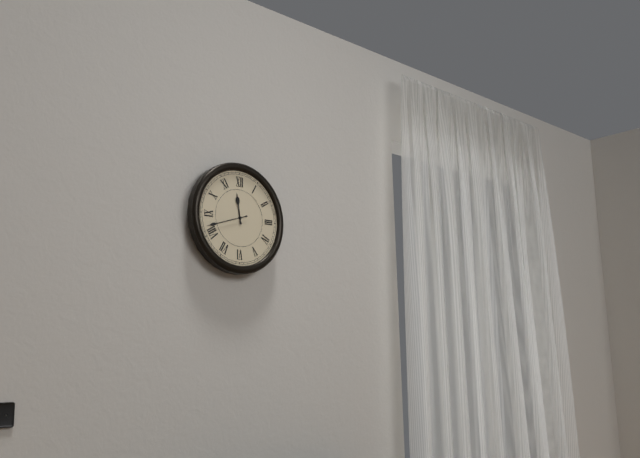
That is 11.42
